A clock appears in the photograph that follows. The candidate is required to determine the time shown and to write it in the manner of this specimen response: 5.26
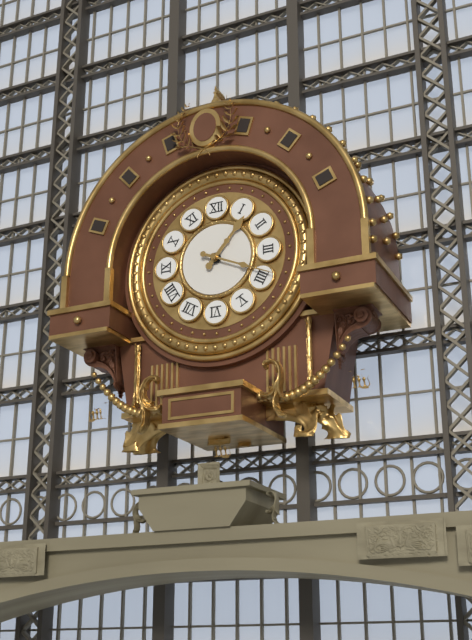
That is 1.19
